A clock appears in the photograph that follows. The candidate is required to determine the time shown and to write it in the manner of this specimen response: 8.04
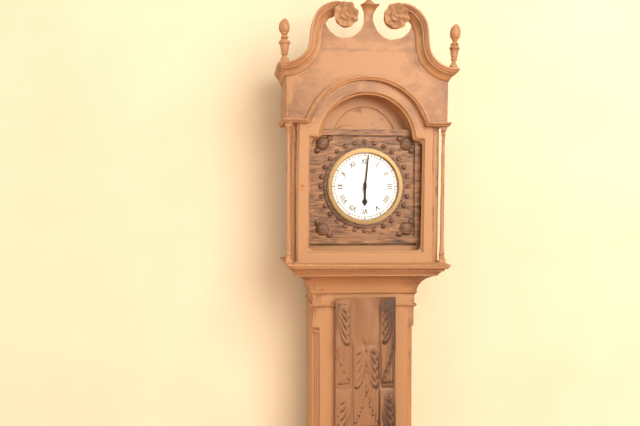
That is 6.01
